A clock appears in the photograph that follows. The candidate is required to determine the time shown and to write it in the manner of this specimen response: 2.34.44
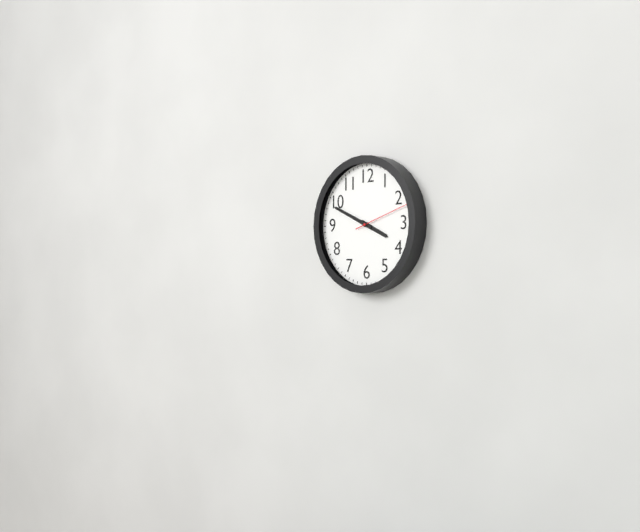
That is 3.49.12
